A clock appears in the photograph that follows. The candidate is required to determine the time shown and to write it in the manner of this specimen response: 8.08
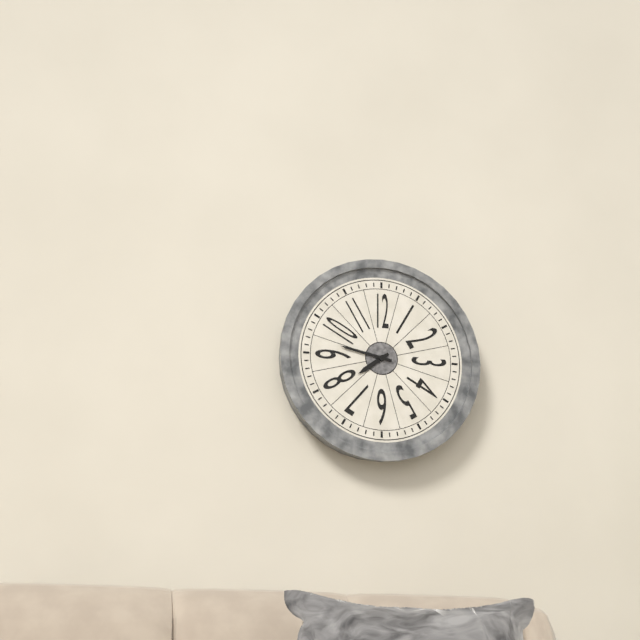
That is 7.47
